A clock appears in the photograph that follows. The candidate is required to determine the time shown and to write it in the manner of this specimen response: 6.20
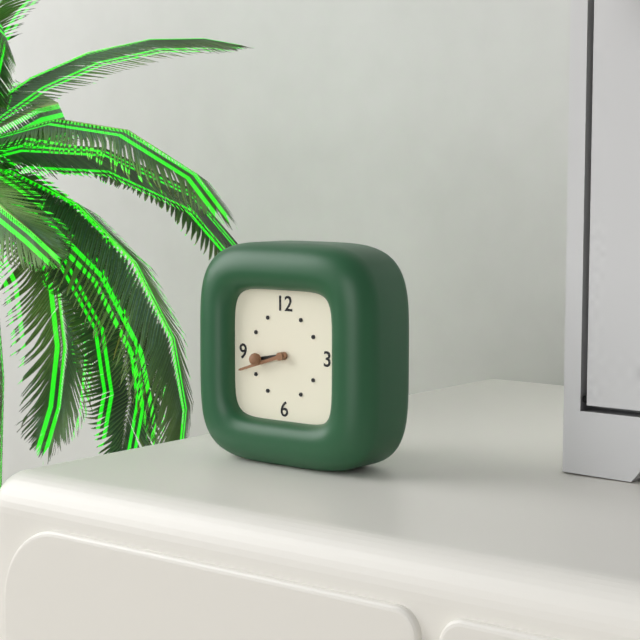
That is 8.42
